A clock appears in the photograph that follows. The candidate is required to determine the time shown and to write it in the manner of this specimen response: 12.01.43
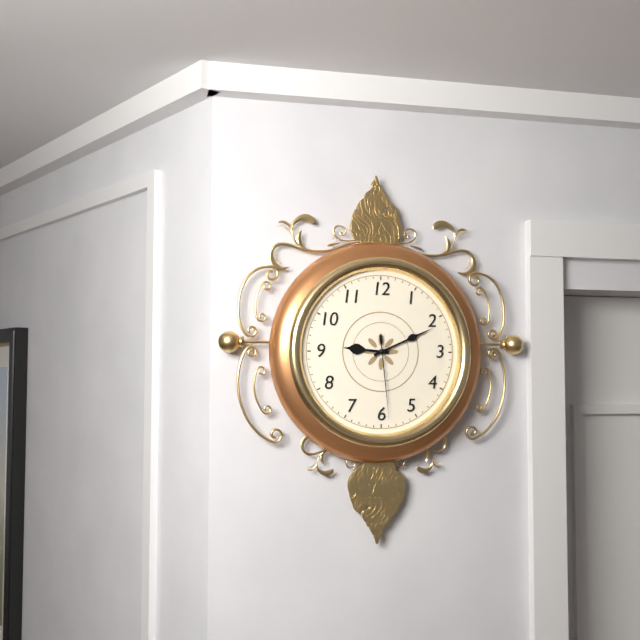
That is 9.11.29
